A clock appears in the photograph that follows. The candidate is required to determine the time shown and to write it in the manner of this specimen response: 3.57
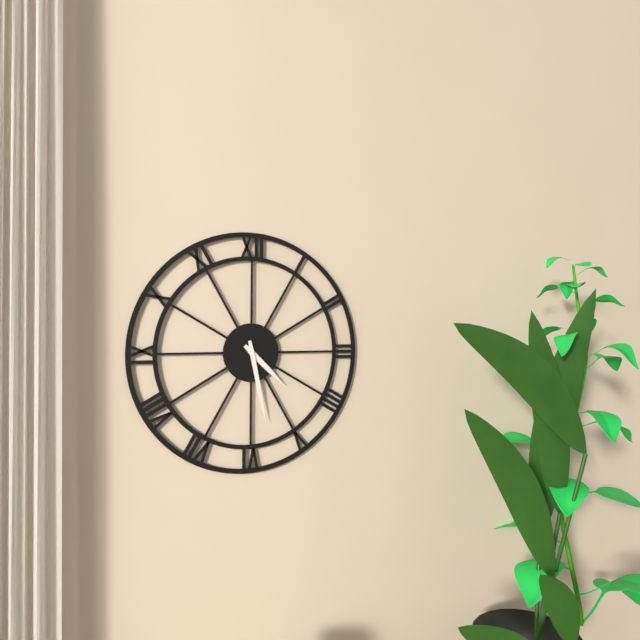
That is 4.28
